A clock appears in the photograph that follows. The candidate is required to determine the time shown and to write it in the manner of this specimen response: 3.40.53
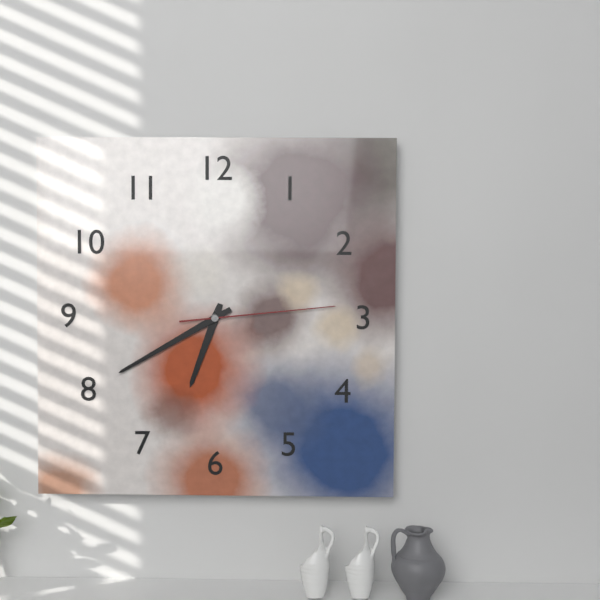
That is 6.40.14
